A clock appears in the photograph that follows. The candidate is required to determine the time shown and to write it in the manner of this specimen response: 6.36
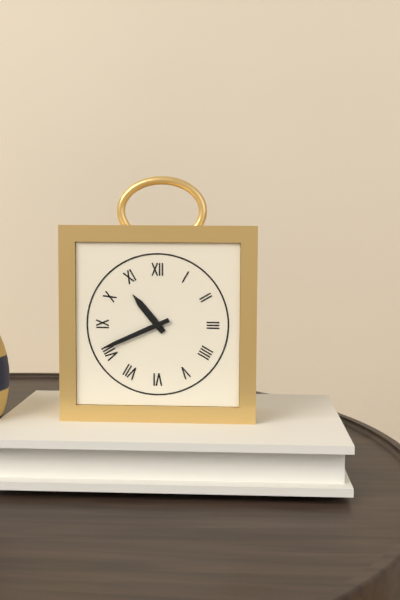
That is 10.41
